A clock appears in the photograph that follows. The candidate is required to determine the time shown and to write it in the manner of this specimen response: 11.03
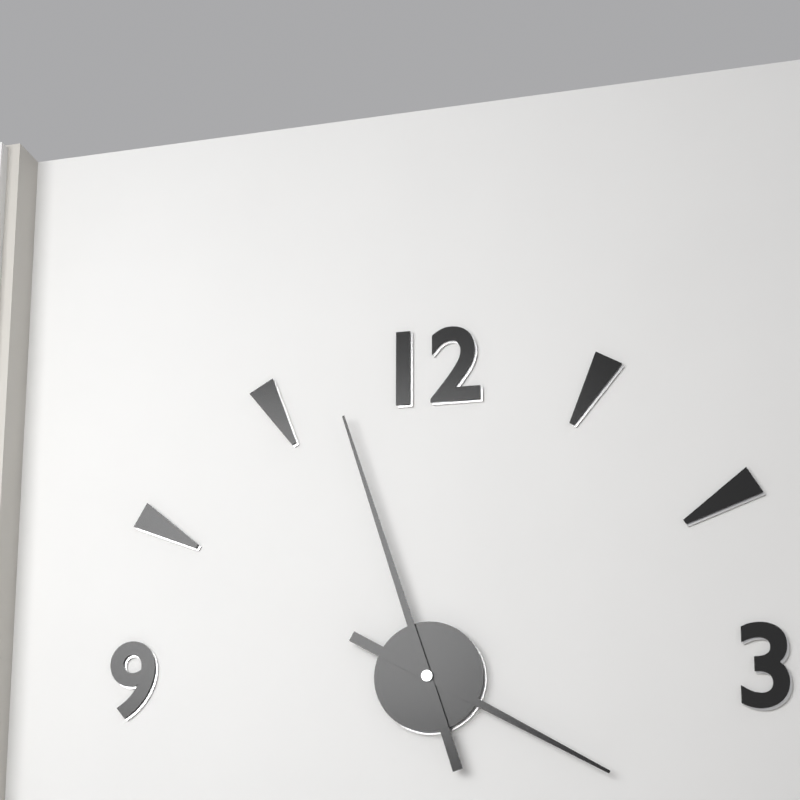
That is 3.57
